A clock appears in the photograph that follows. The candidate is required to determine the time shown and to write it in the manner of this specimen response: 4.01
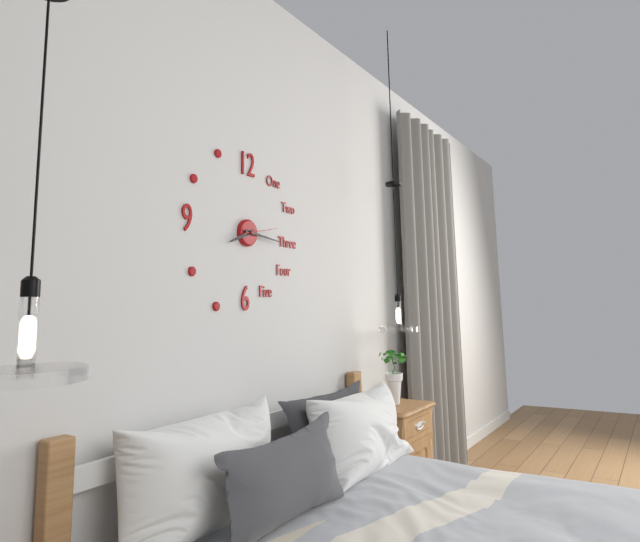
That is 8.16
